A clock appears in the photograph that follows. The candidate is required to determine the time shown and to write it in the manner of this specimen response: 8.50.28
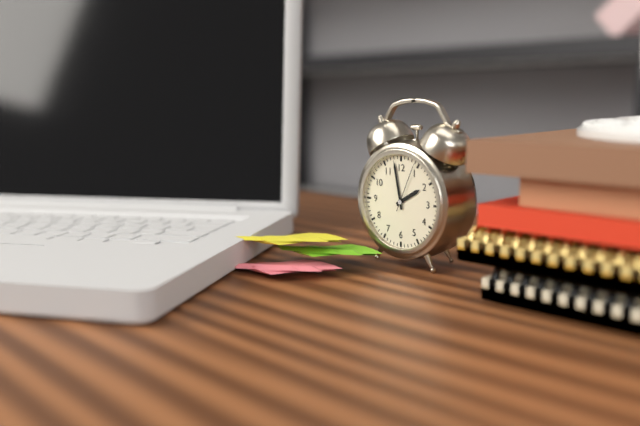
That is 1.58.04
